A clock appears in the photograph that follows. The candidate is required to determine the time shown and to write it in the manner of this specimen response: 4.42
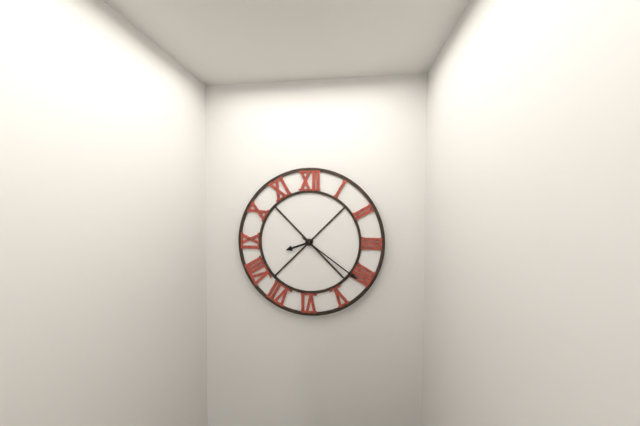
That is 8.21
